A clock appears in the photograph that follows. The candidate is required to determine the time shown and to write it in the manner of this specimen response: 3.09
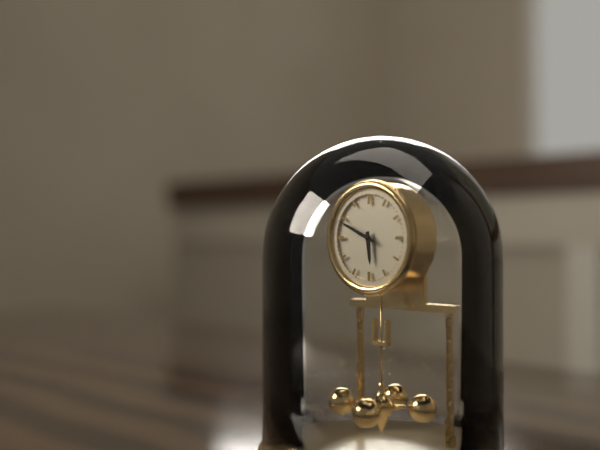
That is 5.49
